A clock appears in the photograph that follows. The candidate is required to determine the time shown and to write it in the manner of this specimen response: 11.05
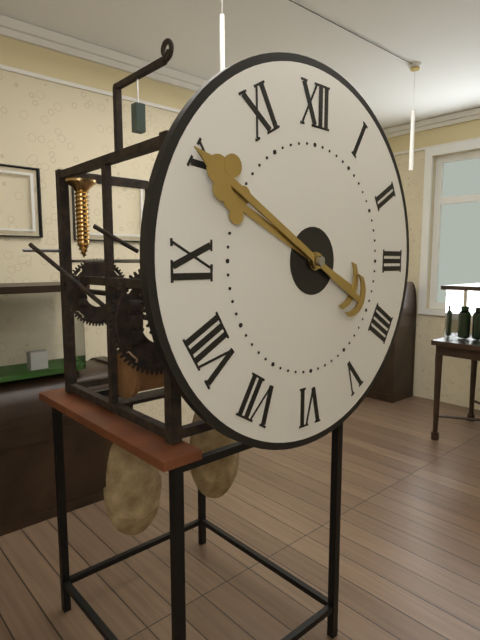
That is 9.50
